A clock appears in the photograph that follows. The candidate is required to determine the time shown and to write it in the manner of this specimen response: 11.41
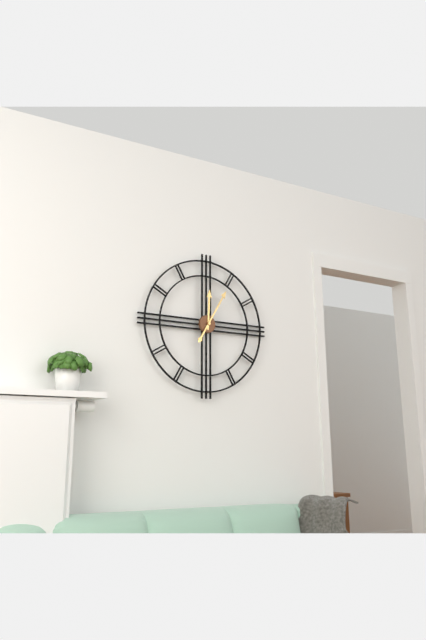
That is 12.05
